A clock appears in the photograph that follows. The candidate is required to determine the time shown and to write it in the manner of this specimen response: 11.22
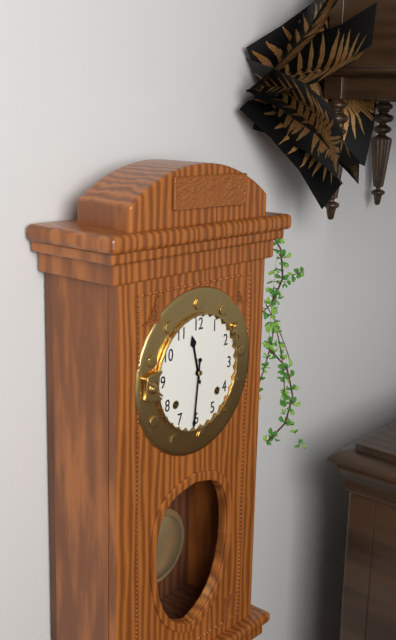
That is 11.31
